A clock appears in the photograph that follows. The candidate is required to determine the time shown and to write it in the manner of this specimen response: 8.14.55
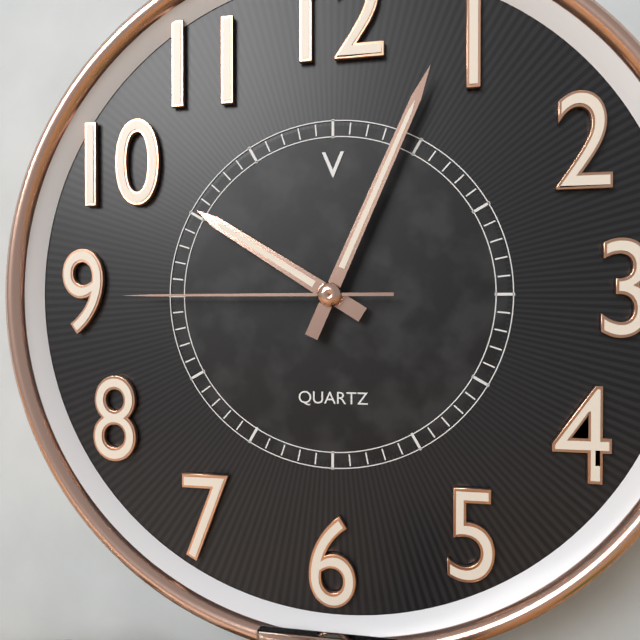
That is 10.04.45
